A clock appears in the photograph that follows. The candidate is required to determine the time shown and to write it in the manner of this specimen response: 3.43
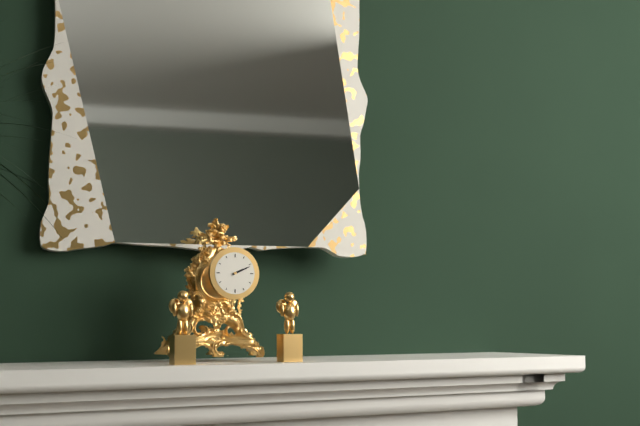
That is 2.11
